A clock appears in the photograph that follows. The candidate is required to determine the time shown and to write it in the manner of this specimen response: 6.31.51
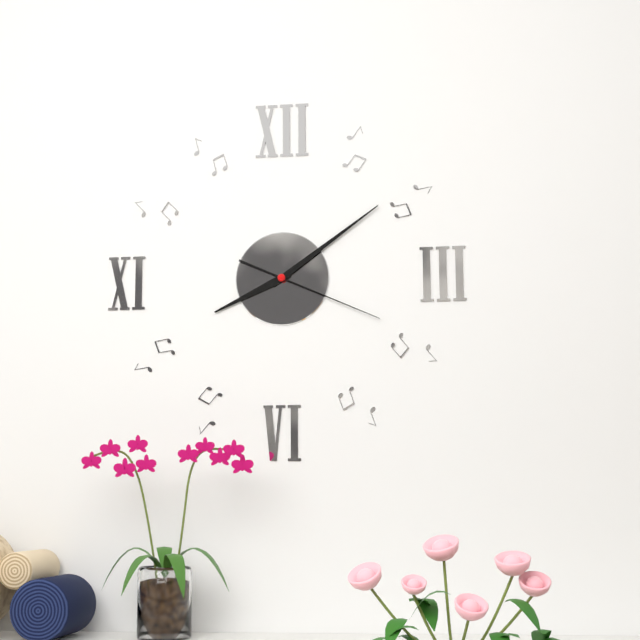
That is 8.09.19
